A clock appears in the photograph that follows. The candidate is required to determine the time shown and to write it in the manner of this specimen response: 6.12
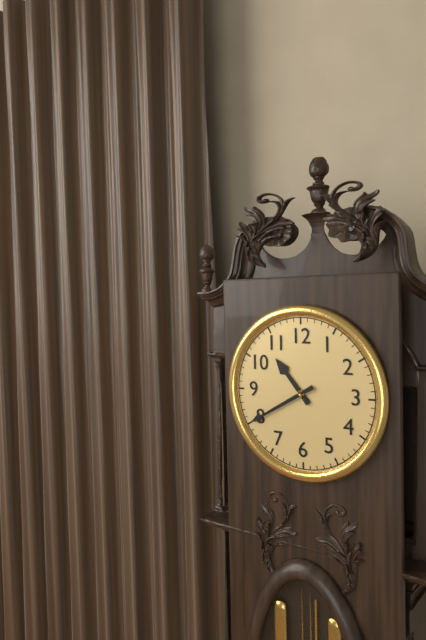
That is 10.40
